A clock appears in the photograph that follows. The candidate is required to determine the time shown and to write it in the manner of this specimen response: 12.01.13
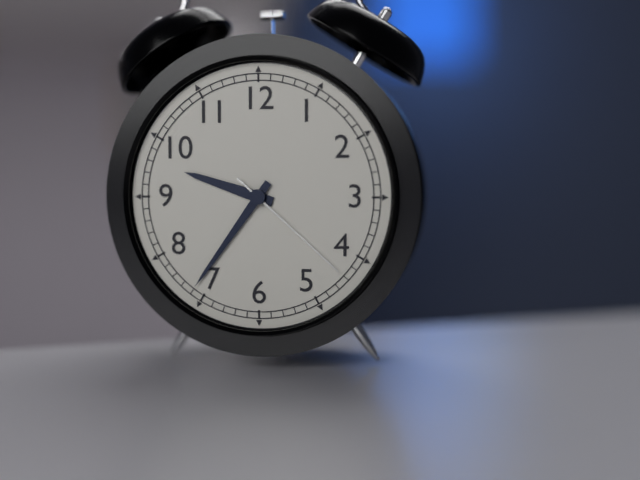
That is 9.36.22
